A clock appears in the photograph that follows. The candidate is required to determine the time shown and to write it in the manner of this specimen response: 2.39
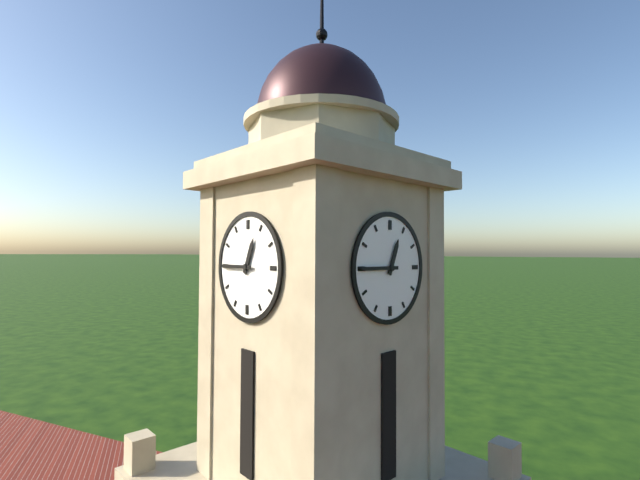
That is 12.45
